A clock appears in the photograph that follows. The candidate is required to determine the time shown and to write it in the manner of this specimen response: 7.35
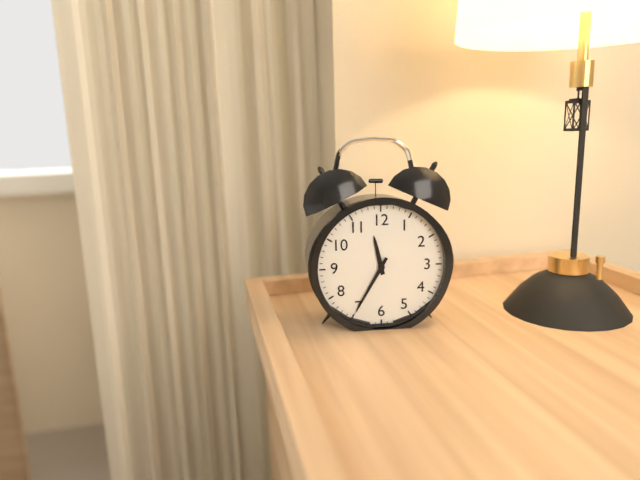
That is 11.35
